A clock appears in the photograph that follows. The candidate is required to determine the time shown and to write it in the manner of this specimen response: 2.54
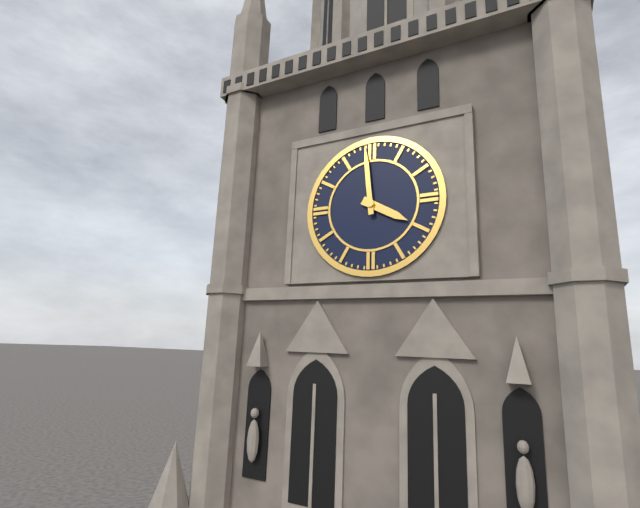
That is 3.59
